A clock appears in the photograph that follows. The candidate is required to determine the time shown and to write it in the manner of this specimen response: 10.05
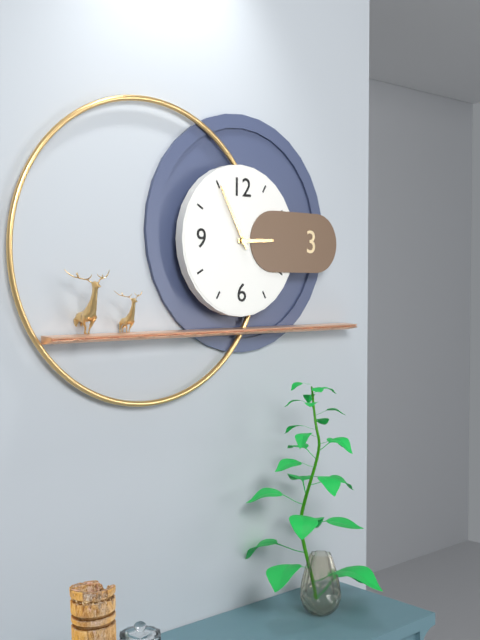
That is 2.55
